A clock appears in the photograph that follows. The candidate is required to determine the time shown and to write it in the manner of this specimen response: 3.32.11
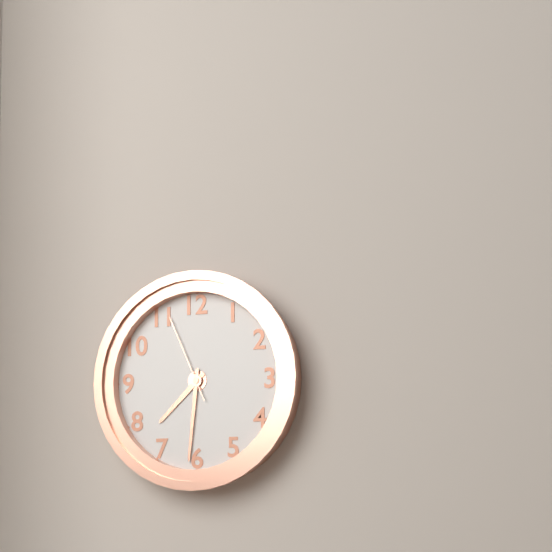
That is 7.31.56
